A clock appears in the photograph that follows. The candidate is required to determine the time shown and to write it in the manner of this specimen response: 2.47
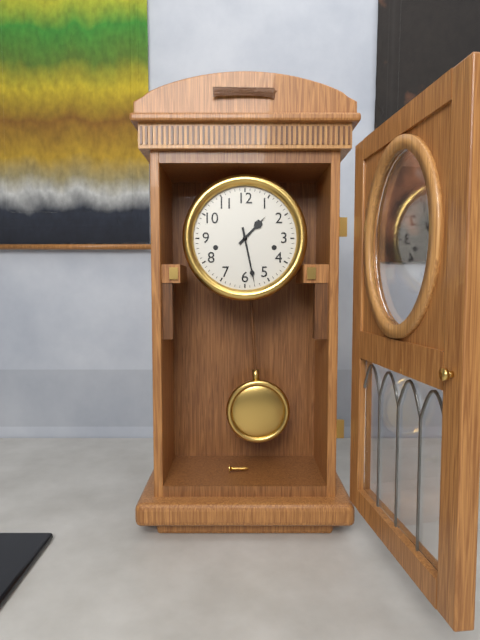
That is 1.28
